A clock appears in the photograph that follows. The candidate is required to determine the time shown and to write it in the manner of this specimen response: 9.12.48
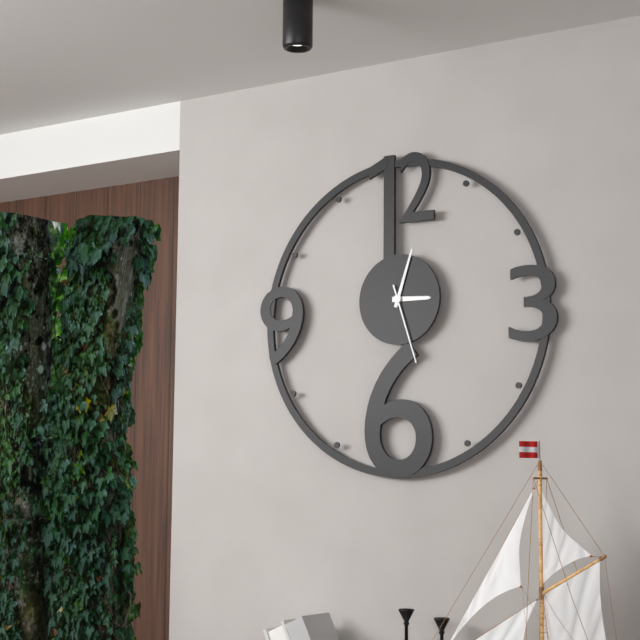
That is 3.03.27
